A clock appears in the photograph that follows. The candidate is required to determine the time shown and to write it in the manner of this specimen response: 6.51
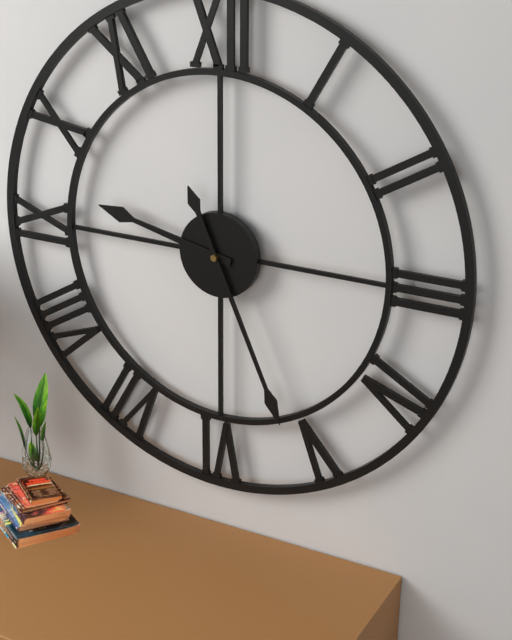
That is 9.26
